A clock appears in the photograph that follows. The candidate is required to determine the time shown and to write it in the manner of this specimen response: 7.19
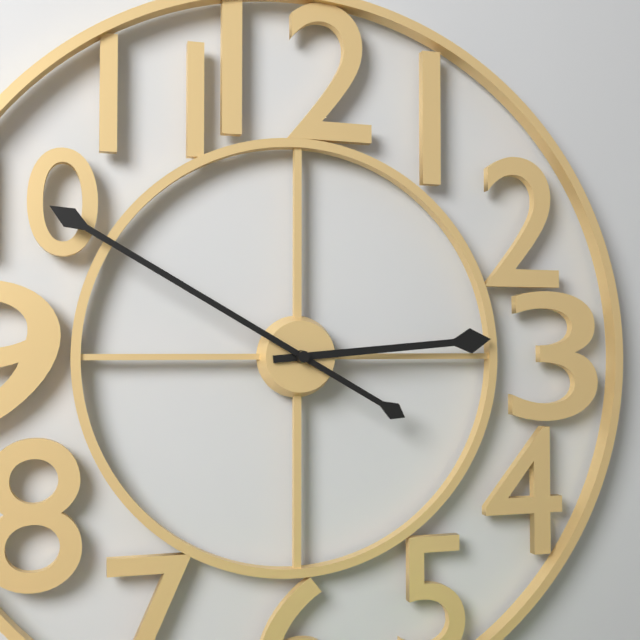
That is 2.50
